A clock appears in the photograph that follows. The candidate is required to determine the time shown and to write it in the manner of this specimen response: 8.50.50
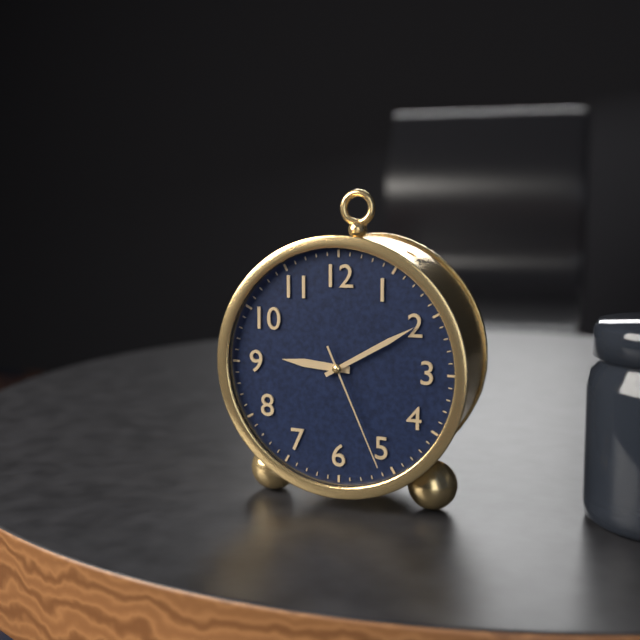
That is 9.10.26
